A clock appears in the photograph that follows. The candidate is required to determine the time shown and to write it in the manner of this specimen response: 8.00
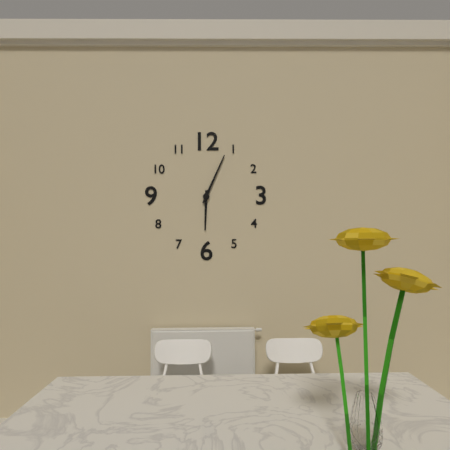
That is 6.04
